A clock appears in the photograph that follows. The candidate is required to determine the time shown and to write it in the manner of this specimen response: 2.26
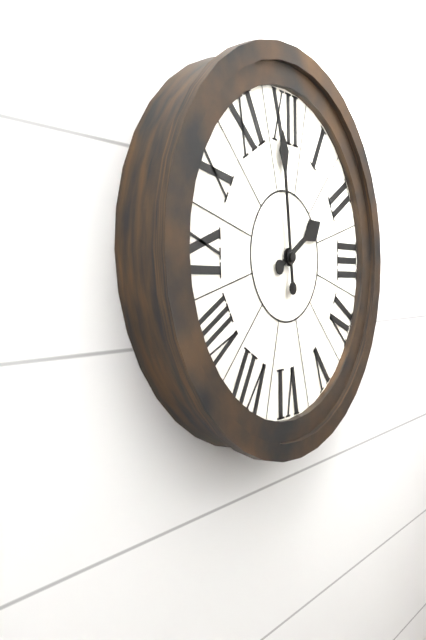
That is 1.59
